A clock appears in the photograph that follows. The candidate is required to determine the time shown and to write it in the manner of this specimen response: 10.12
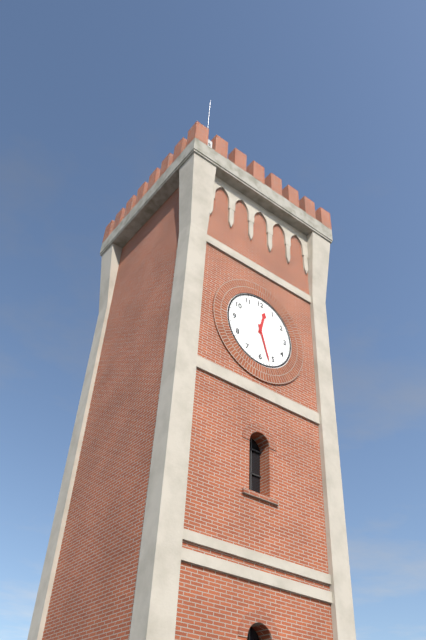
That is 12.27
